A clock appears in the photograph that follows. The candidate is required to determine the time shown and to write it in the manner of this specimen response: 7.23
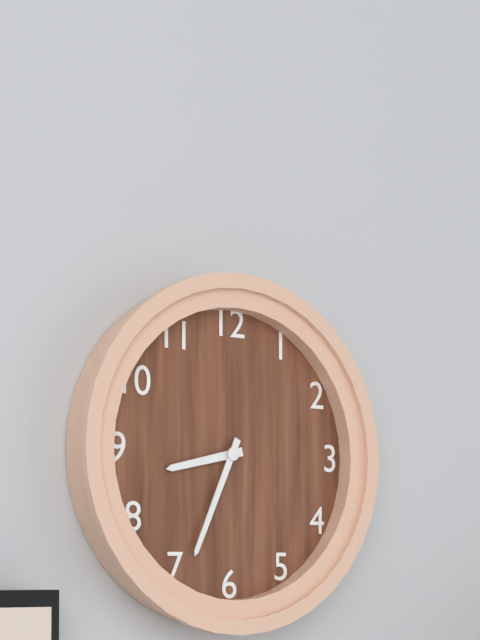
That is 8.34
